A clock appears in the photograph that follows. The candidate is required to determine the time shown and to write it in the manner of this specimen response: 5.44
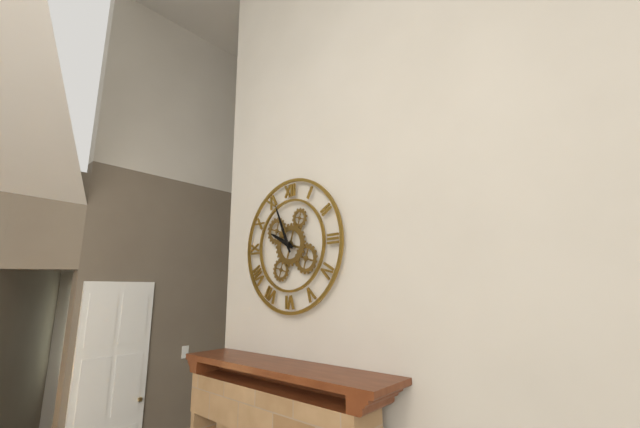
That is 9.56
